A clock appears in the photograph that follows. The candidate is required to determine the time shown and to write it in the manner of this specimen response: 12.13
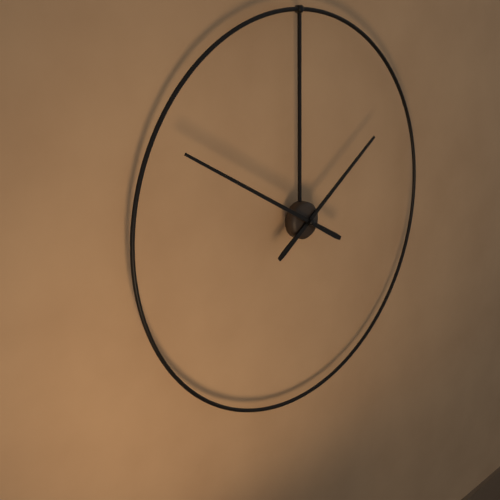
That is 1.50
